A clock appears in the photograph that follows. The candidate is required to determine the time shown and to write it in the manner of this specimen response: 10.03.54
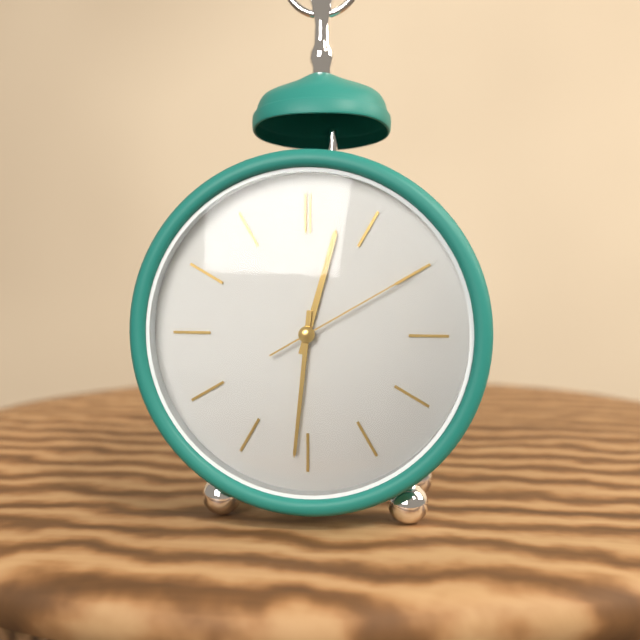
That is 12.31.10
